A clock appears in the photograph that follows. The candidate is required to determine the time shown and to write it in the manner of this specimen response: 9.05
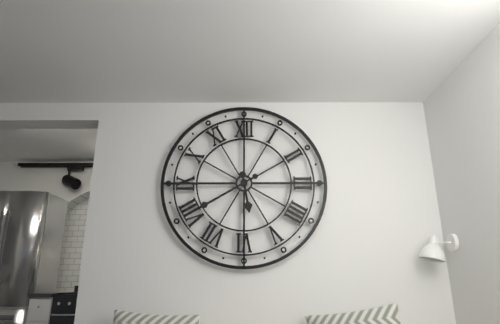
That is 5.40
